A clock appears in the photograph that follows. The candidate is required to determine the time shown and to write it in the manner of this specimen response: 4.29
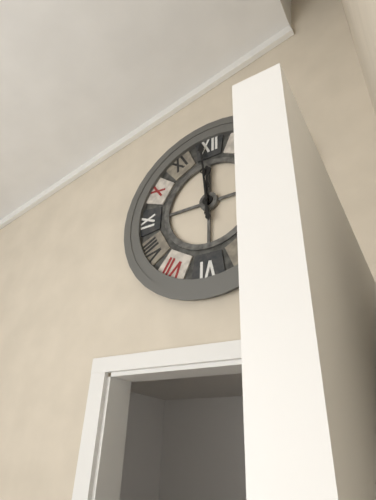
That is 11.59
